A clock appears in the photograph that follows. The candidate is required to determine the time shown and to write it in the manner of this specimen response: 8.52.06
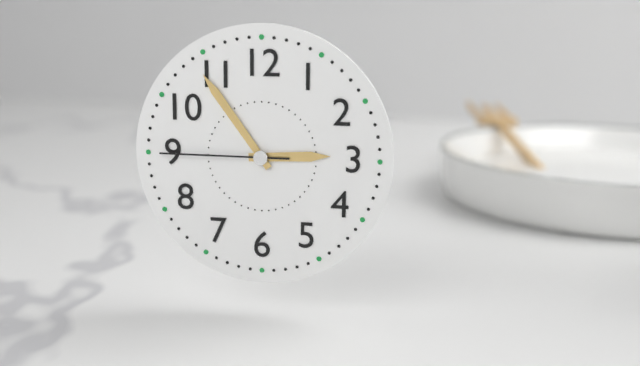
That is 2.54.45
